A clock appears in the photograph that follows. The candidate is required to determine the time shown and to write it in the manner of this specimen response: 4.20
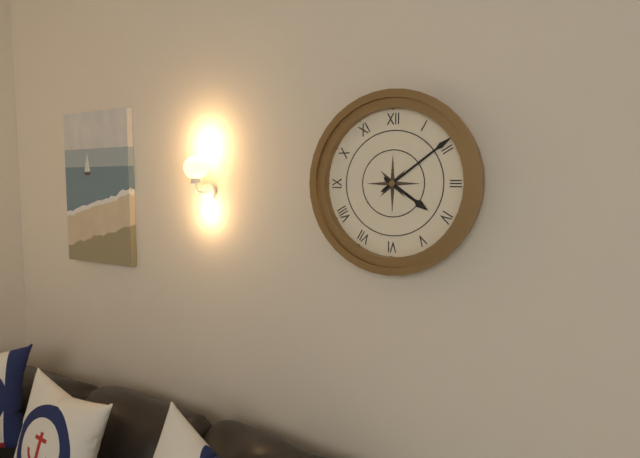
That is 4.09
